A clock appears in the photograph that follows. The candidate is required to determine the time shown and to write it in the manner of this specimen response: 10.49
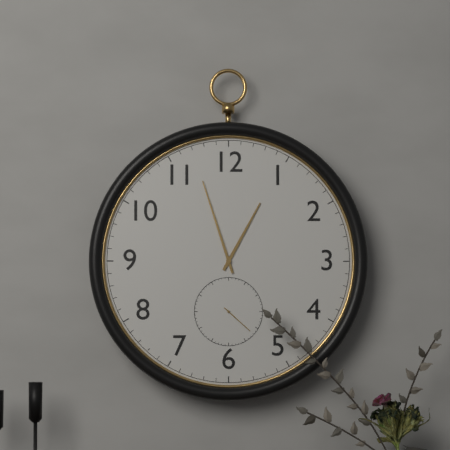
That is 12.57
